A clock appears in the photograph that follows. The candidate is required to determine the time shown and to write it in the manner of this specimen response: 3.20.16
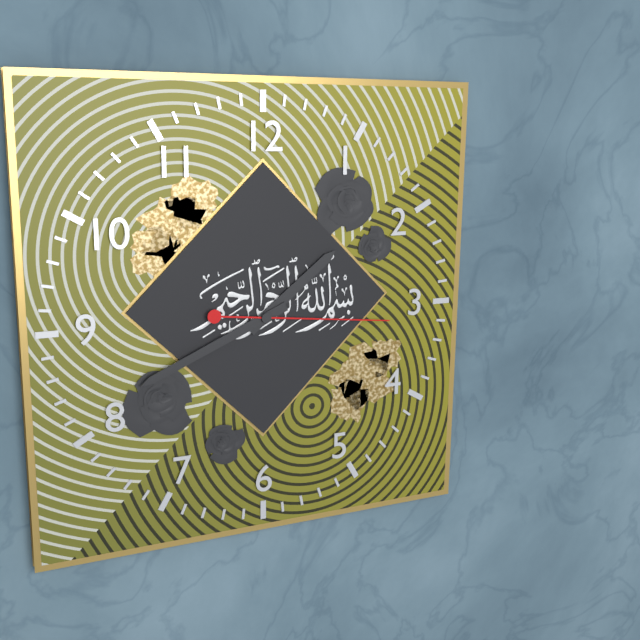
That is 1.41.16
